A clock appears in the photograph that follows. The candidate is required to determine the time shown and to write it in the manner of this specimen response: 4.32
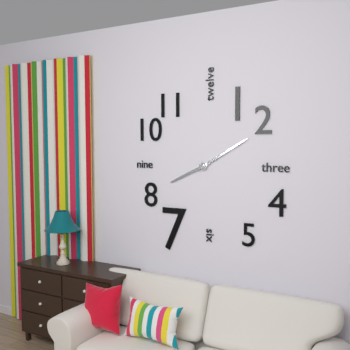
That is 8.10
